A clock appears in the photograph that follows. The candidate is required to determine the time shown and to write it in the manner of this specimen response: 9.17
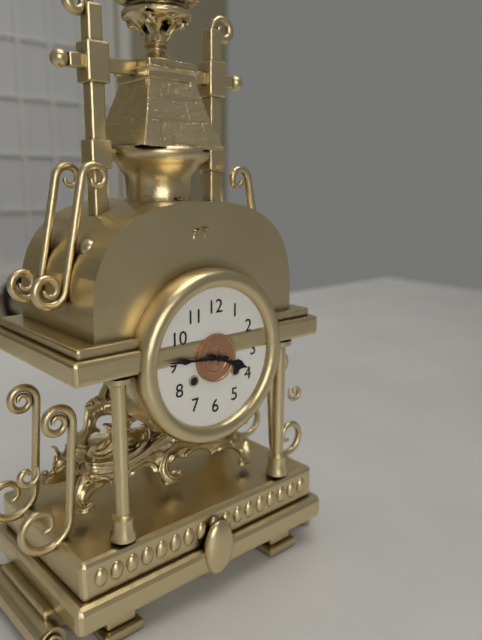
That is 3.46
